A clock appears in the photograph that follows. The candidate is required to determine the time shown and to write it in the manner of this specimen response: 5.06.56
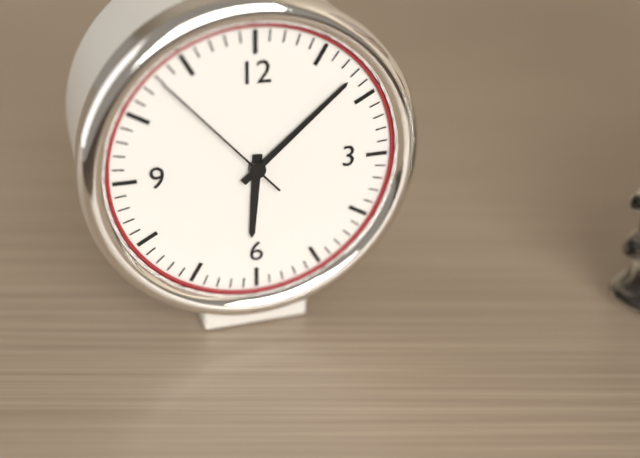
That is 6.08.53
